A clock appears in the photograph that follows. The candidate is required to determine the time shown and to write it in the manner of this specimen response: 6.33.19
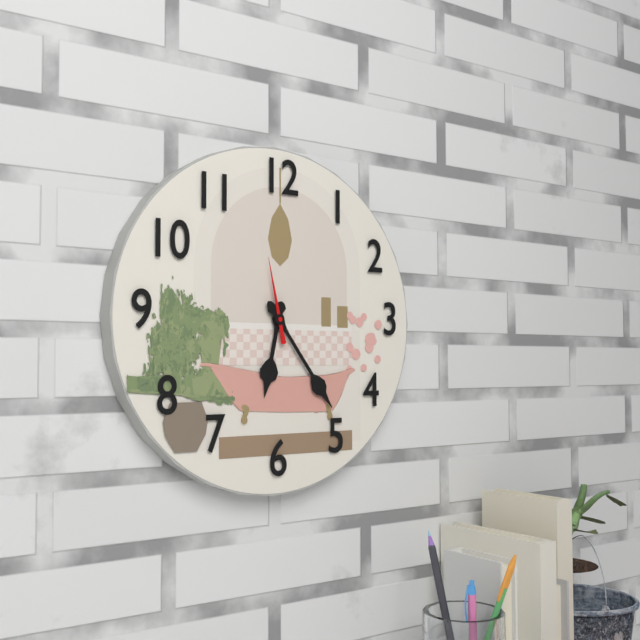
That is 6.24.58
